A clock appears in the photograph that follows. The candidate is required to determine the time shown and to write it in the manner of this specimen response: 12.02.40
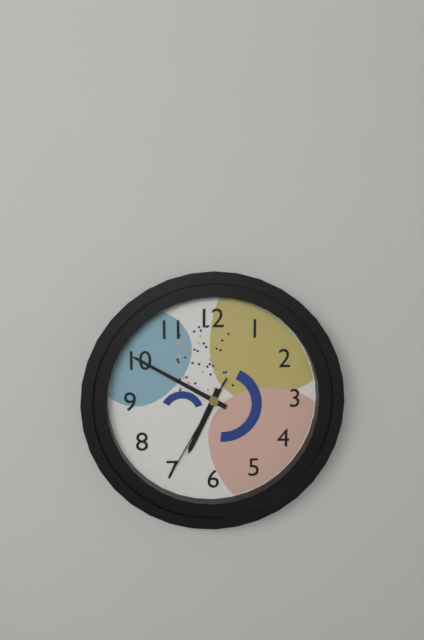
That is 6.50.35
